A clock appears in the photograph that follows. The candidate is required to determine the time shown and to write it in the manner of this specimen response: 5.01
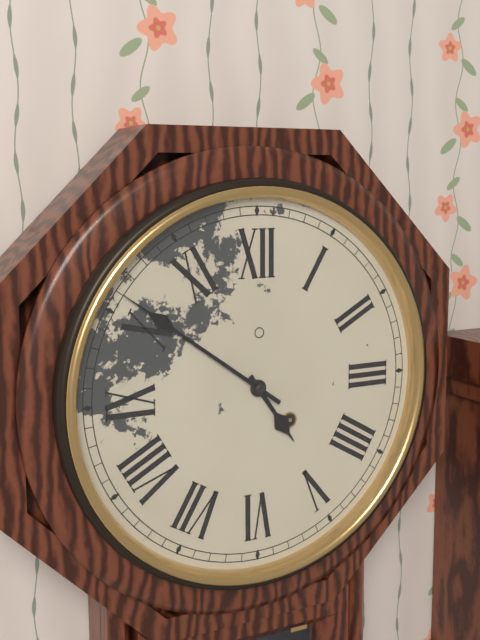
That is 4.51
